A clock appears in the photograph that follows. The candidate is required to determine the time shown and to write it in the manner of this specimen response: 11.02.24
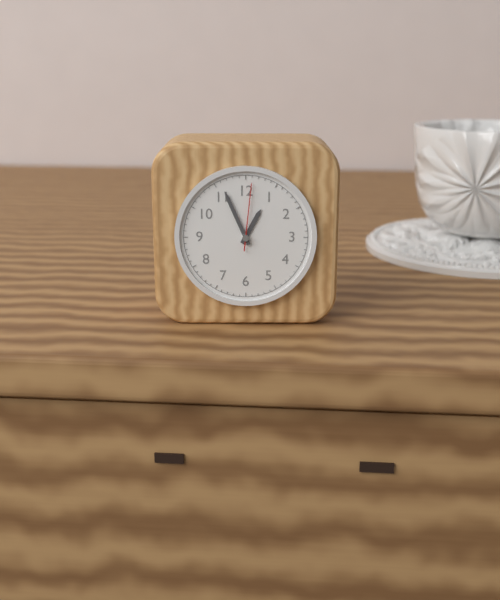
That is 12.56.01
